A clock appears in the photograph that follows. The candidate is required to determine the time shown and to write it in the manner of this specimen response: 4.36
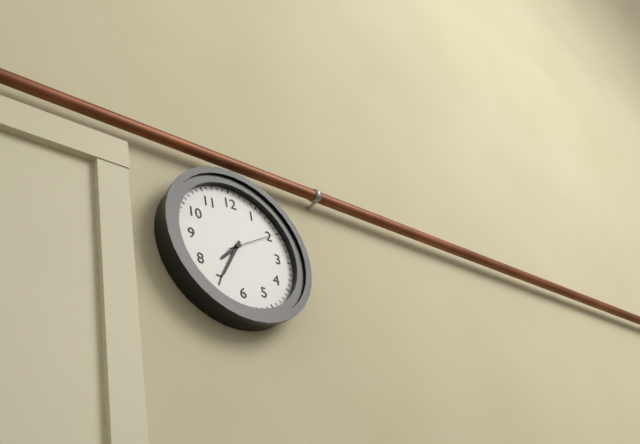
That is 7.35
